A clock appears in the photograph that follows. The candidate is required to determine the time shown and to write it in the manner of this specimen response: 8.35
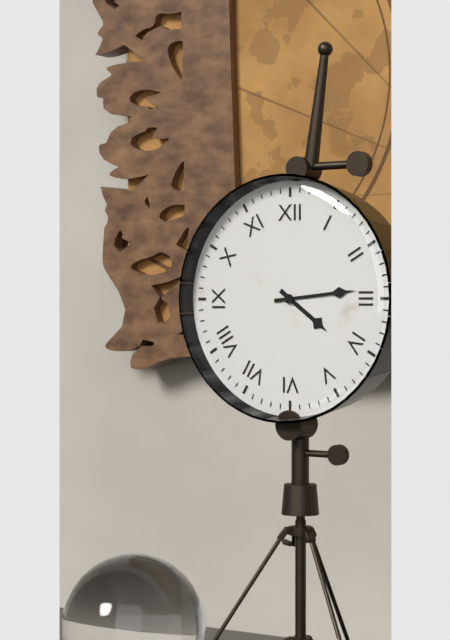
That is 4.14
